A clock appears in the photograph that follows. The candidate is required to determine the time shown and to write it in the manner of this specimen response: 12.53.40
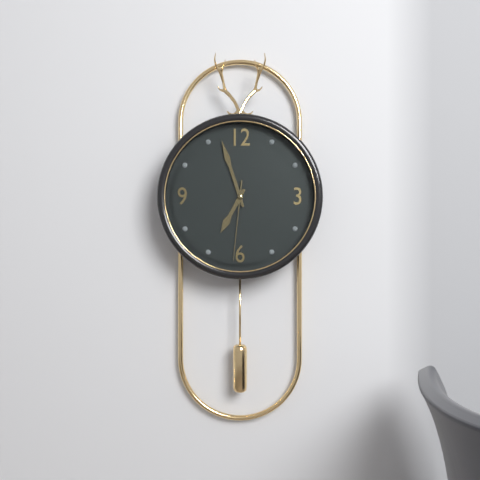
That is 6.57.31
